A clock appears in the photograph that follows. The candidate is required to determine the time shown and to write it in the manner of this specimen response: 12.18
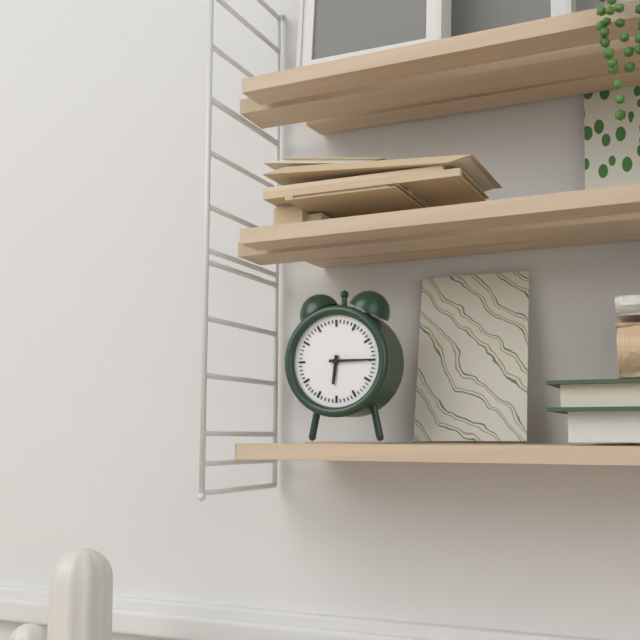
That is 6.15
